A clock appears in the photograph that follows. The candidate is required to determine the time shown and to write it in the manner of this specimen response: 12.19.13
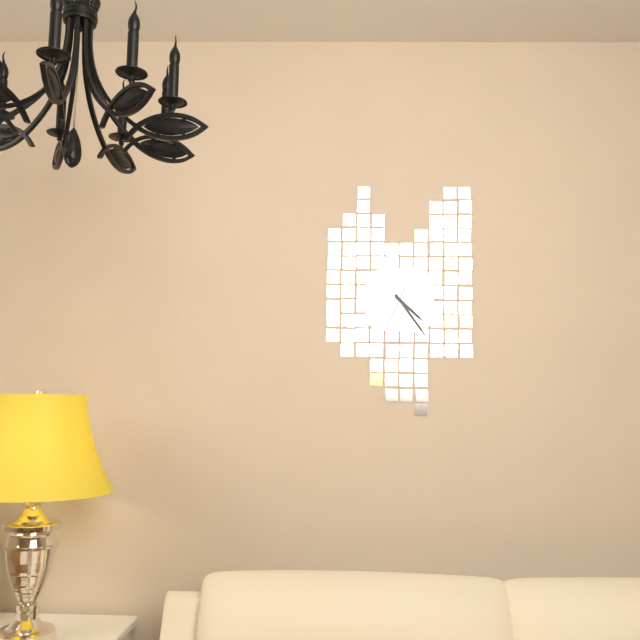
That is 4.24.34
